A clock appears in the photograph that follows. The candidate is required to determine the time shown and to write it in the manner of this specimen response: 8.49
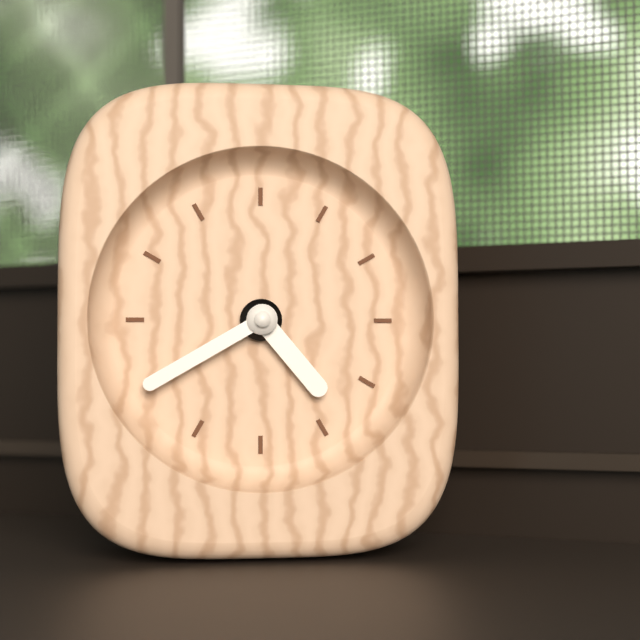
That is 4.40
